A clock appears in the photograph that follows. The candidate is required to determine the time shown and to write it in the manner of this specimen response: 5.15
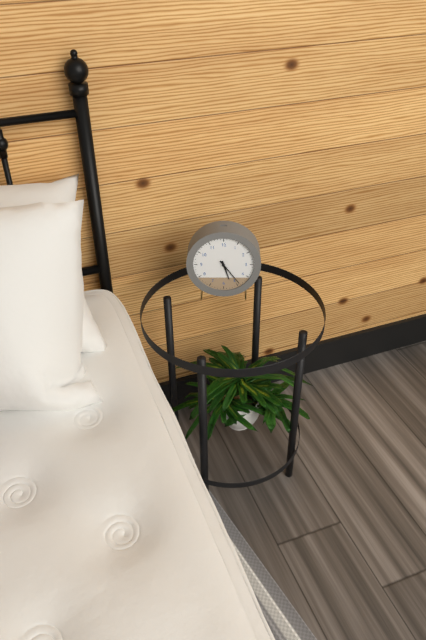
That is 5.24
